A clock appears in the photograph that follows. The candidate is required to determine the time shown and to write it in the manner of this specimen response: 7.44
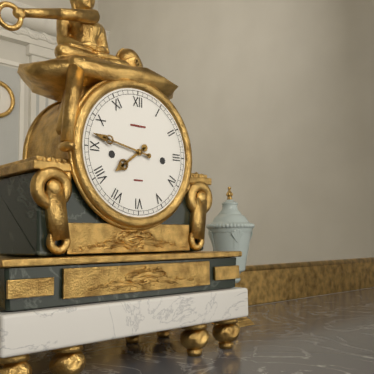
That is 7.47
